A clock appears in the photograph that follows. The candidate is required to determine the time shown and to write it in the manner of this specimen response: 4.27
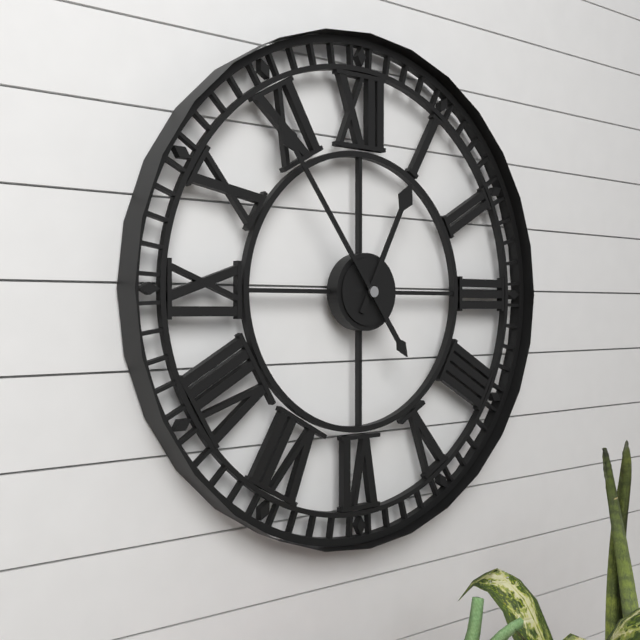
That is 12.54
